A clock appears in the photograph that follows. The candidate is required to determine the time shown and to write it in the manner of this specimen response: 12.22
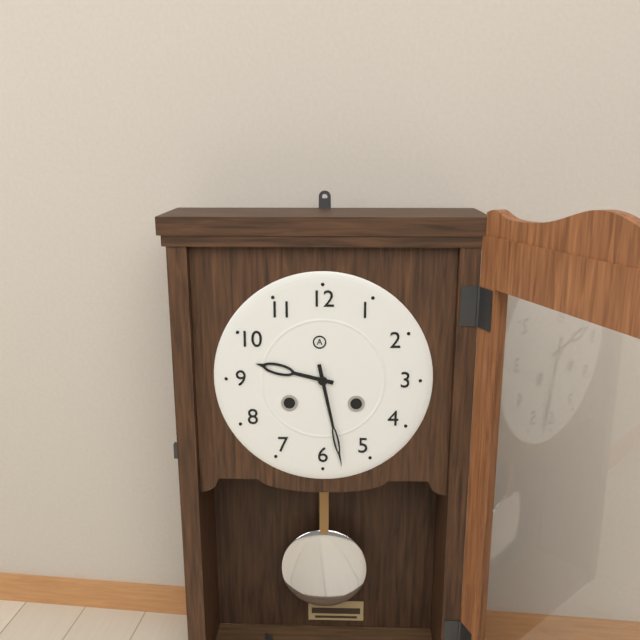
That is 9.28
